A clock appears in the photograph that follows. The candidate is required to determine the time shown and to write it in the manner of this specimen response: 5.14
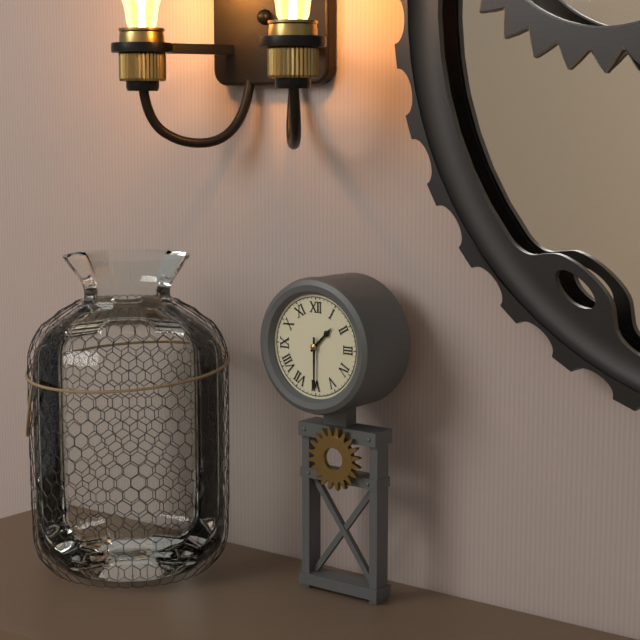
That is 1.30
